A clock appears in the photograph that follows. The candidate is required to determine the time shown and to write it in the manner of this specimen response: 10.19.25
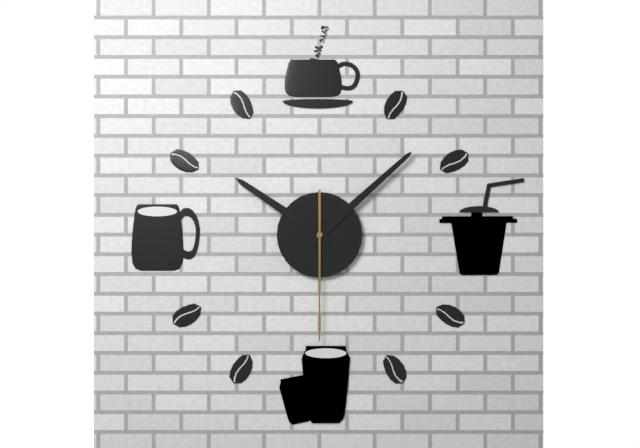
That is 10.08.30
